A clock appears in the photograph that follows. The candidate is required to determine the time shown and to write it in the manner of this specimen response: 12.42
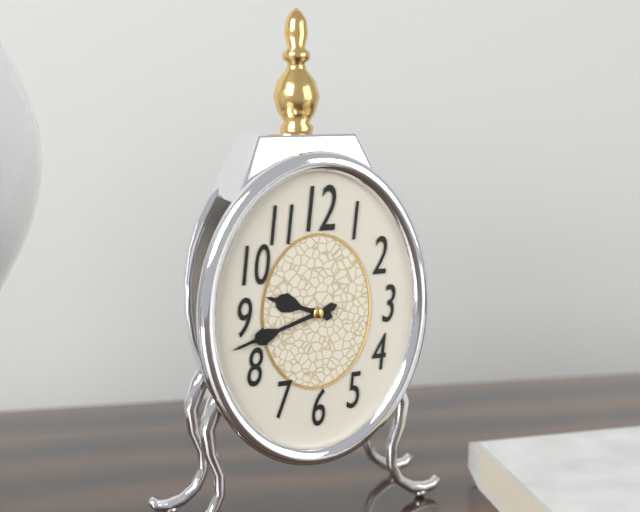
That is 9.42
